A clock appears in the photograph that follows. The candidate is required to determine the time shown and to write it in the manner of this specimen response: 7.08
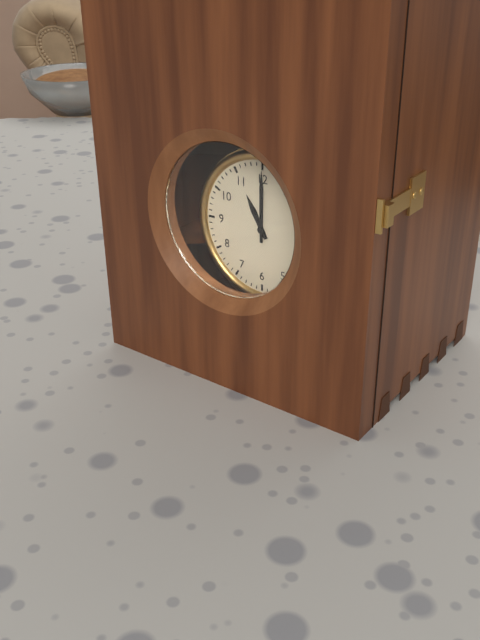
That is 11.00
